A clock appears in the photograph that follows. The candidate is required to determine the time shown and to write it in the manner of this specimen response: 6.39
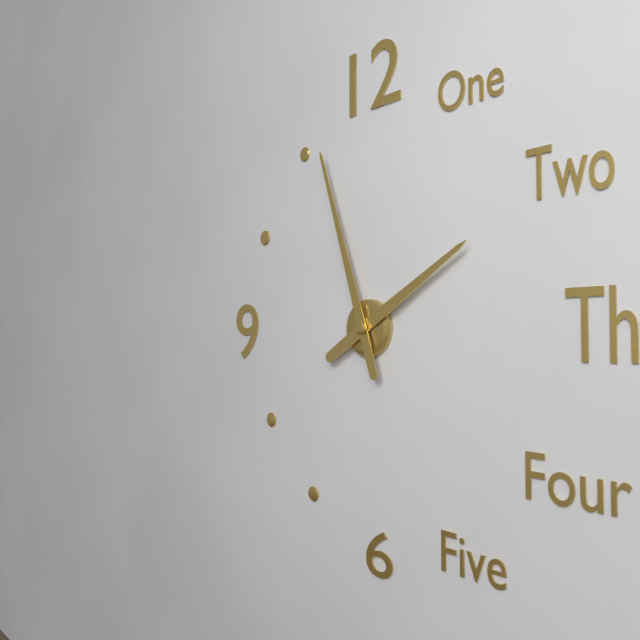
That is 1.57
